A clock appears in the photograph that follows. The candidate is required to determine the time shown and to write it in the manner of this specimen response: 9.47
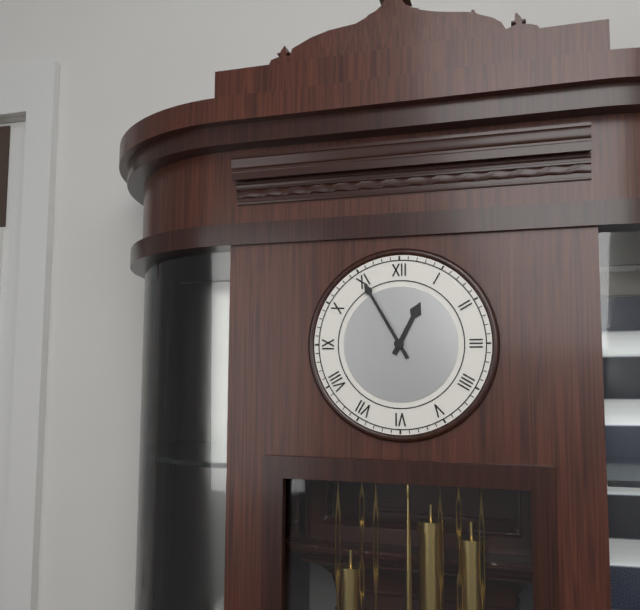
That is 12.55
